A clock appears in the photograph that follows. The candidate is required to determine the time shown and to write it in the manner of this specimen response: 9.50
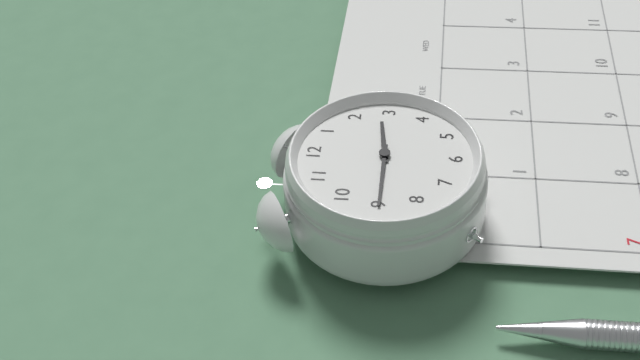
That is 2.45
